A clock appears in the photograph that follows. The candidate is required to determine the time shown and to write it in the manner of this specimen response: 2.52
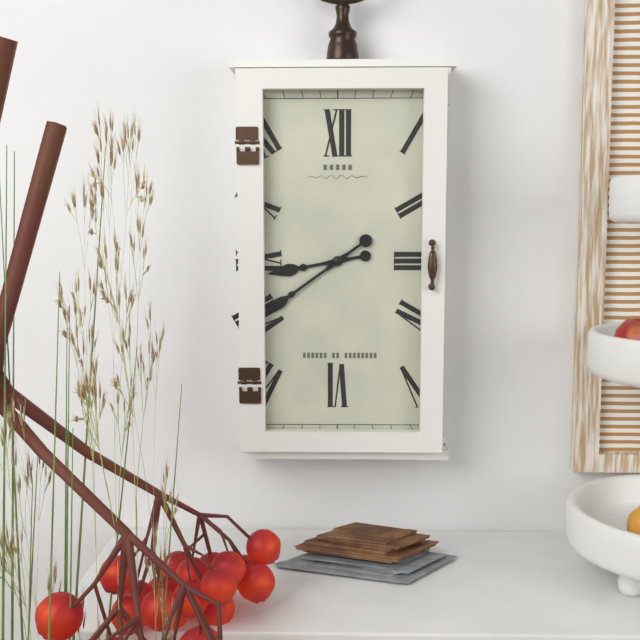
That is 8.39
